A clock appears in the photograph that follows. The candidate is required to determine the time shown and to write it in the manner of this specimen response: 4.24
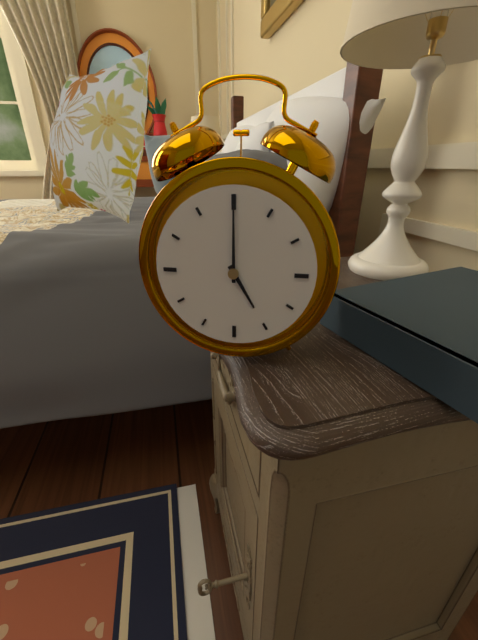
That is 5.00
